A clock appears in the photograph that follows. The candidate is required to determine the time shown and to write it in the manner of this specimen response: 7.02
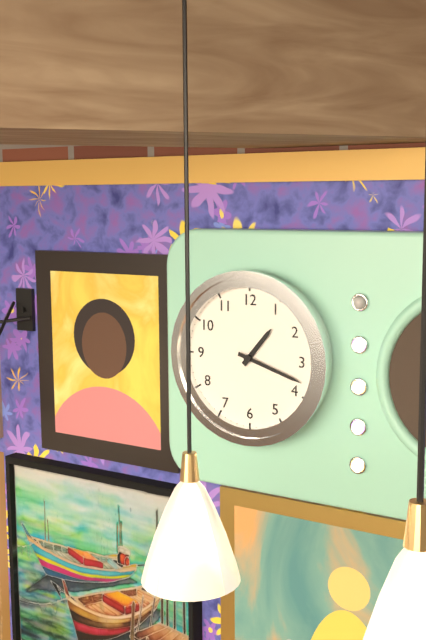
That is 1.18
